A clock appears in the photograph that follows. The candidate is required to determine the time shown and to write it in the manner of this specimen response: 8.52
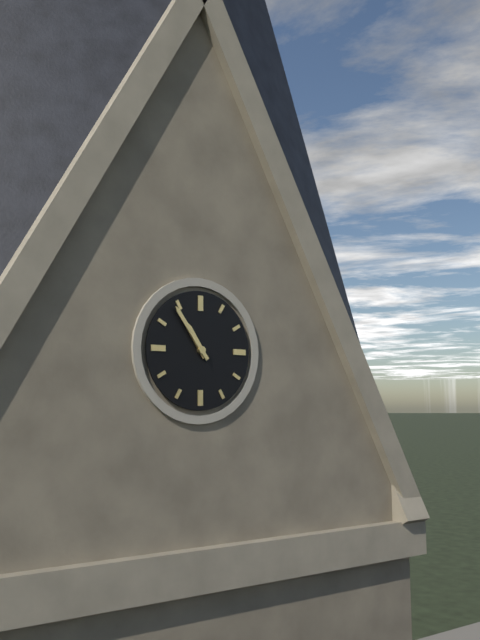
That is 10.54
